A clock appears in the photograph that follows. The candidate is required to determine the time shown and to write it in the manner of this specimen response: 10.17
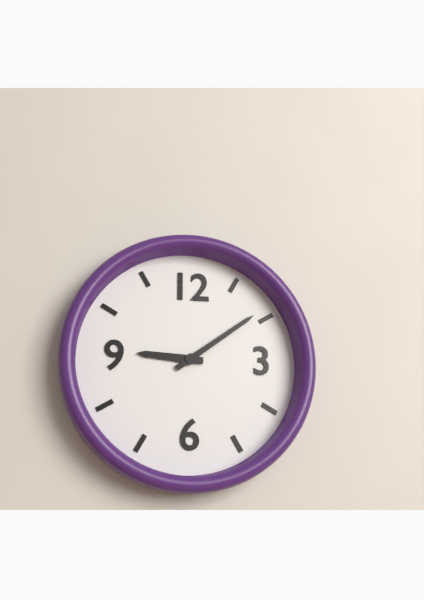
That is 9.09
